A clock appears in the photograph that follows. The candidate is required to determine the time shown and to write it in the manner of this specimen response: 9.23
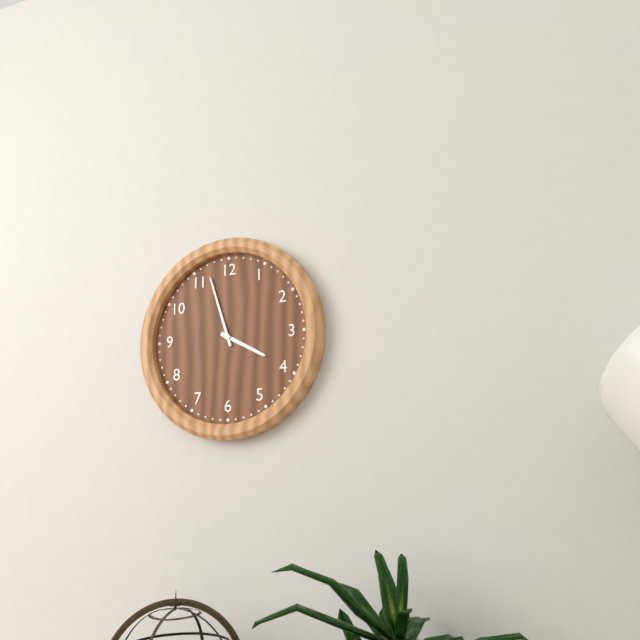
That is 3.57
